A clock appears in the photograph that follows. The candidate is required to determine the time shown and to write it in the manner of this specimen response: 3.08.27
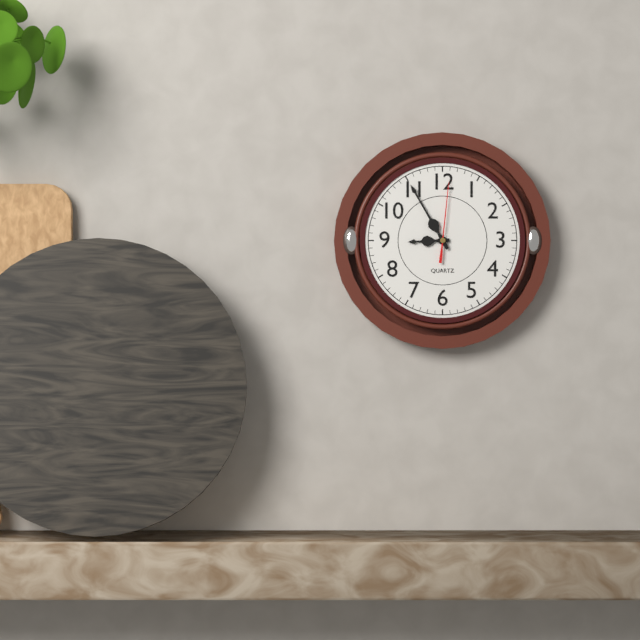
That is 8.55.01
